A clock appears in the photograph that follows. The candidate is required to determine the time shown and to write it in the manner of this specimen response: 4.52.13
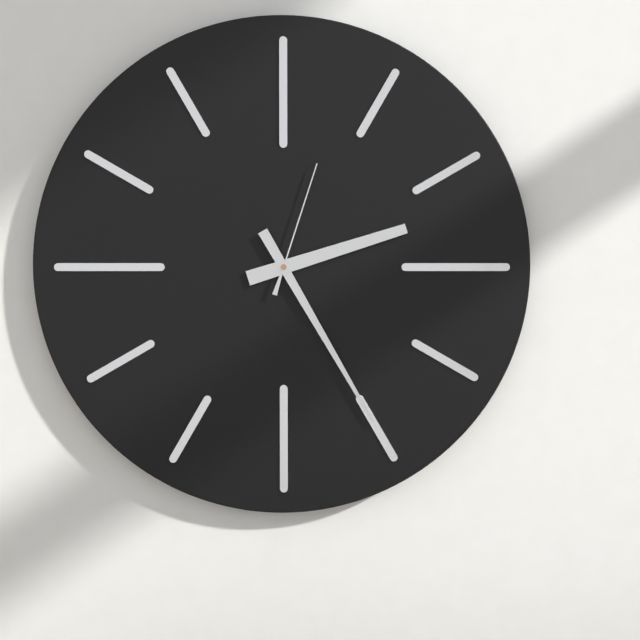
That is 2.25.03
